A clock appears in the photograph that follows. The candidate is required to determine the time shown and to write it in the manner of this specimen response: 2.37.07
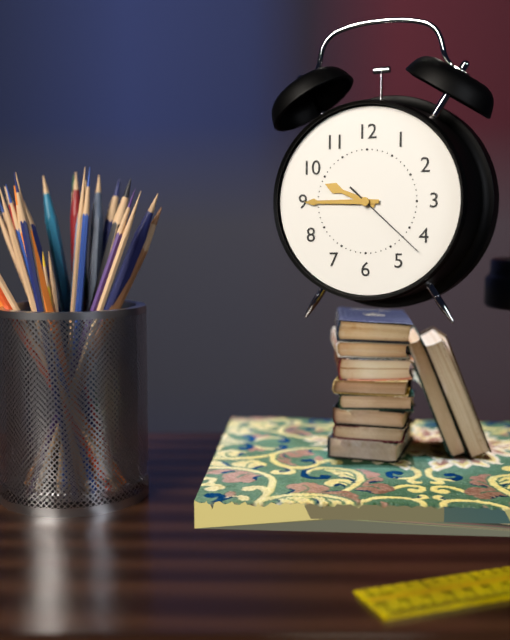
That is 9.45.22
